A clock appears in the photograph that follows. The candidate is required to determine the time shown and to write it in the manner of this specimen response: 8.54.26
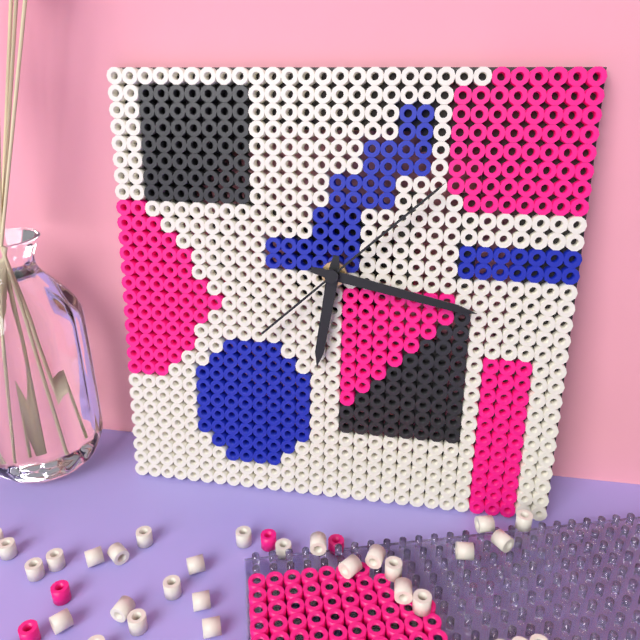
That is 6.17.08
